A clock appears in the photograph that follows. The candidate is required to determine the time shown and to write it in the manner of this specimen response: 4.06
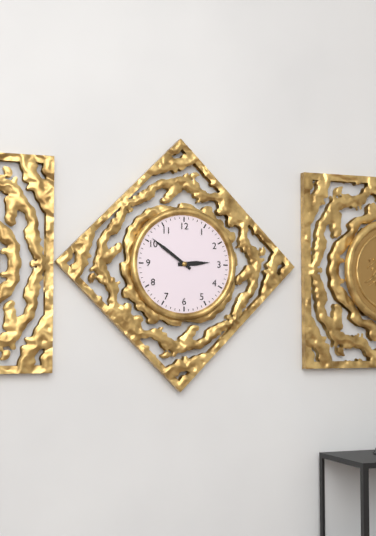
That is 2.51
